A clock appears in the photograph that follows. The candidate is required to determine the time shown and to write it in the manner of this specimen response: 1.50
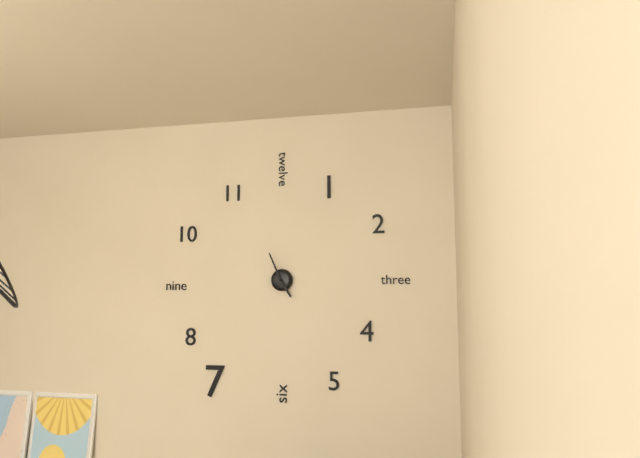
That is 4.56
